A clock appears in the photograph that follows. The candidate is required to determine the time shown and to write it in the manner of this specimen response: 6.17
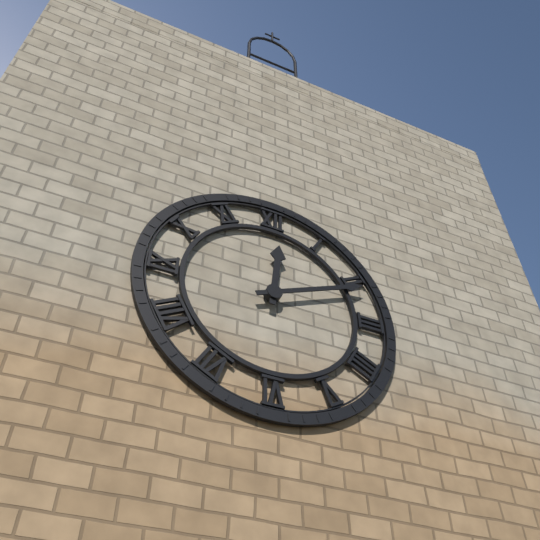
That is 12.11
